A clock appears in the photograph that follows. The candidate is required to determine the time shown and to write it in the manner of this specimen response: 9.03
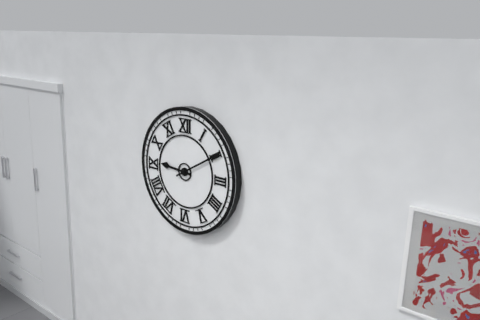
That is 9.10
